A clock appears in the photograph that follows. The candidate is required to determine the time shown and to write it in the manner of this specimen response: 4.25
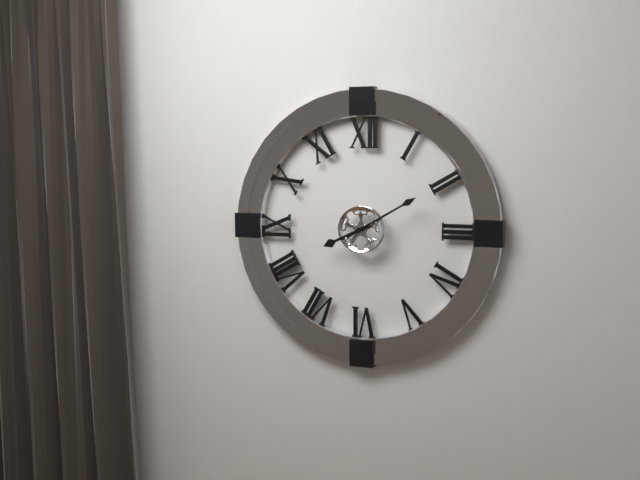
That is 8.10
